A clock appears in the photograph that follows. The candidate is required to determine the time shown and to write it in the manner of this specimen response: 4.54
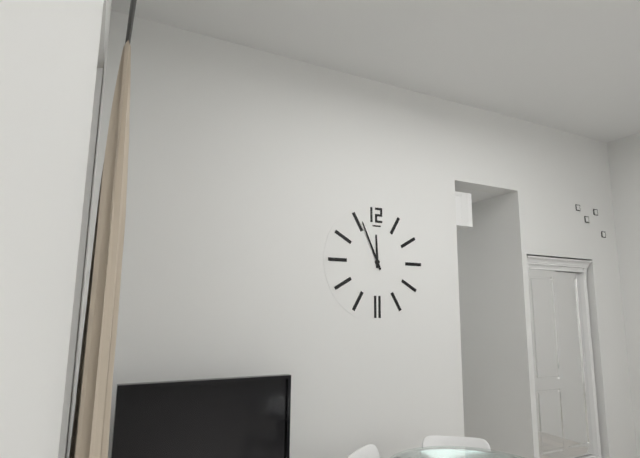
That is 11.56
